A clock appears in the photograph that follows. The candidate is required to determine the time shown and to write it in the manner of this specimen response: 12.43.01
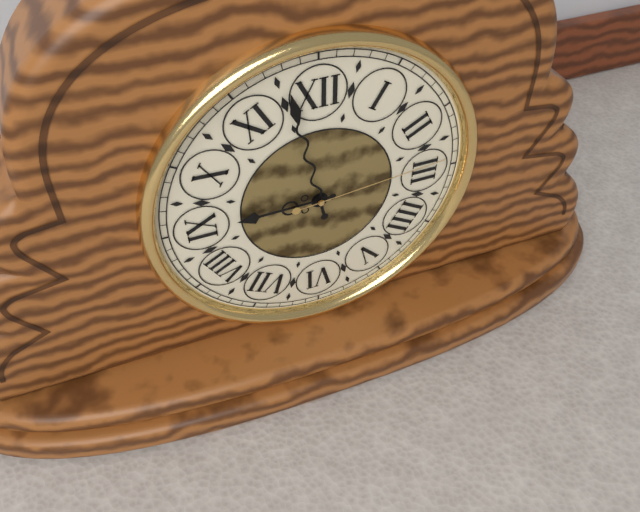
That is 8.58.14
